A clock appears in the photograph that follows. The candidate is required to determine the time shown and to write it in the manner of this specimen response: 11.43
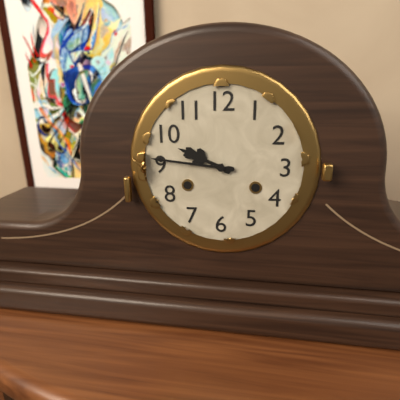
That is 9.46
